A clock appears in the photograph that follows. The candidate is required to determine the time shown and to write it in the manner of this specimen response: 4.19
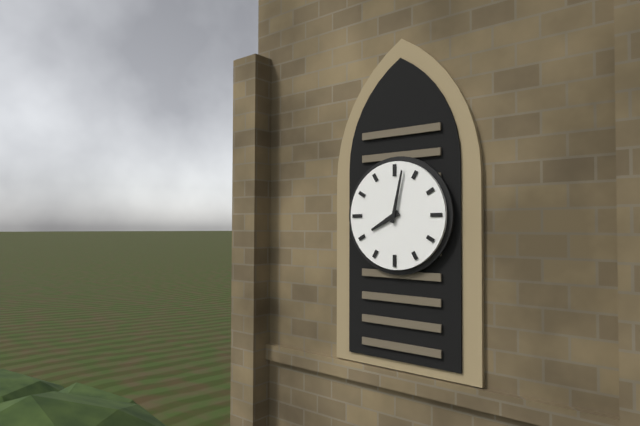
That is 8.02
